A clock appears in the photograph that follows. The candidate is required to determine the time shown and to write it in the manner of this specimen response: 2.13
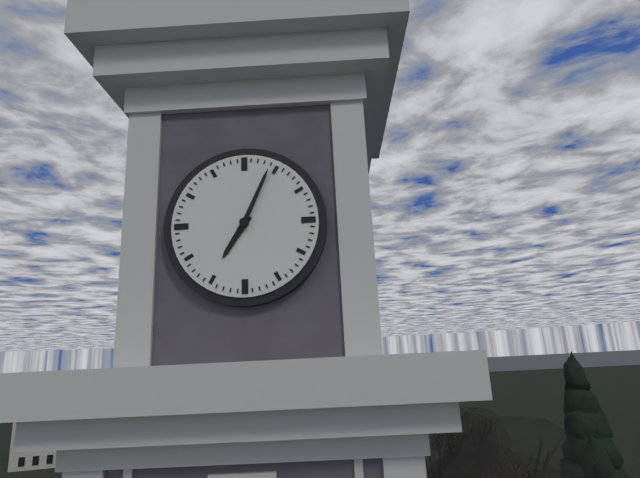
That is 7.04
